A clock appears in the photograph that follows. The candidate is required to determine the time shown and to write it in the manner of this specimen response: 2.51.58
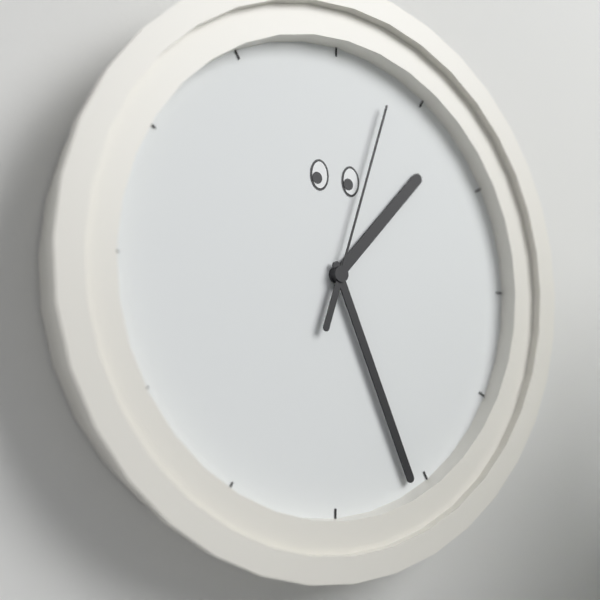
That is 1.26.03
